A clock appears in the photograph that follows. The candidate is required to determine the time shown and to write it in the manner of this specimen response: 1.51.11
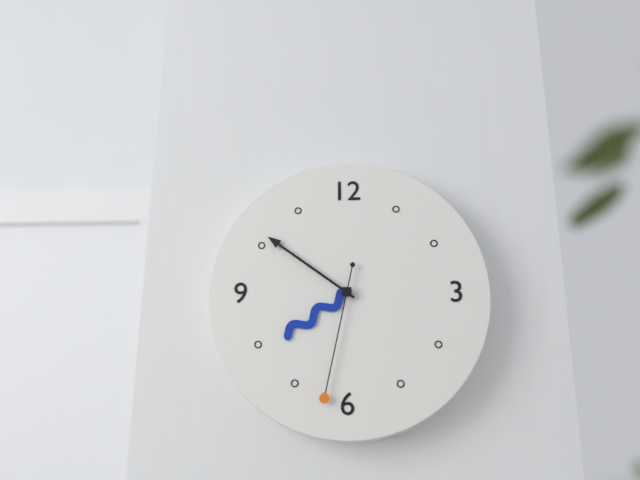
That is 7.51.32
